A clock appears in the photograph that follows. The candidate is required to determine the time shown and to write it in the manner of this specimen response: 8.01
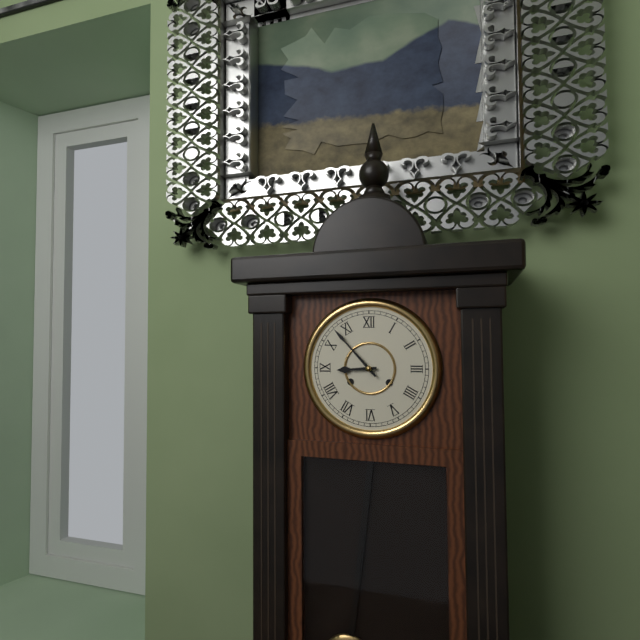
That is 8.53
